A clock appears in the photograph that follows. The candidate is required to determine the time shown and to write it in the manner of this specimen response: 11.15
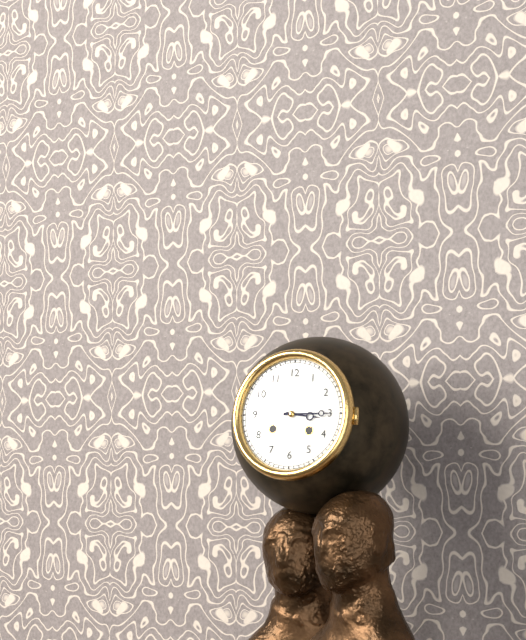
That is 3.15
